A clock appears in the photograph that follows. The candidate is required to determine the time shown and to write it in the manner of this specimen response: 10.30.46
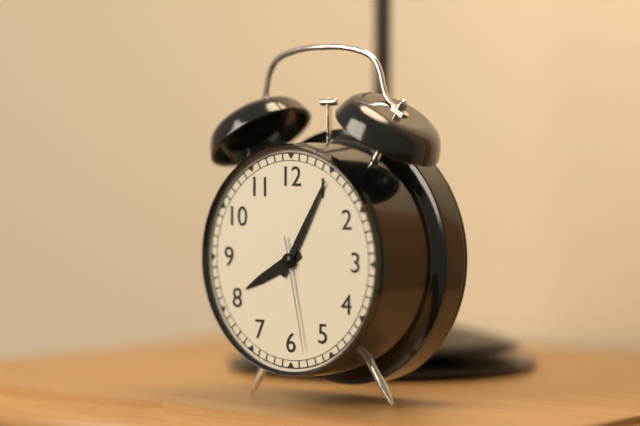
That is 8.05.28
